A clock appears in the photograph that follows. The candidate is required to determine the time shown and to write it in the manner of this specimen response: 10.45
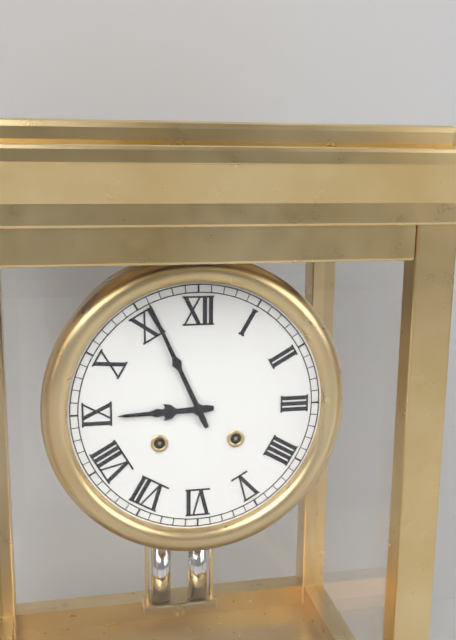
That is 8.56
